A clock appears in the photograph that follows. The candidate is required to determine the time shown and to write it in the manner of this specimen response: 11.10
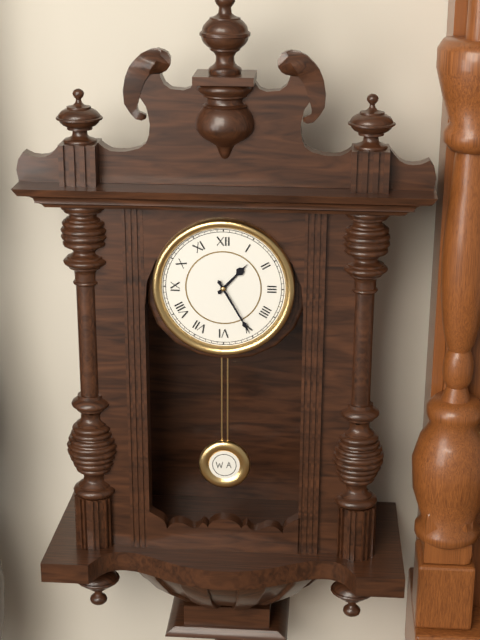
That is 1.25
